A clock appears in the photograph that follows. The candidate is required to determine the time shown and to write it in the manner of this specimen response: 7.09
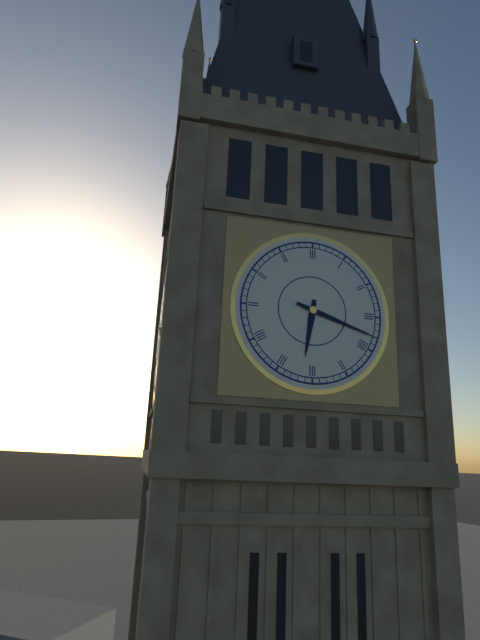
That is 6.18
